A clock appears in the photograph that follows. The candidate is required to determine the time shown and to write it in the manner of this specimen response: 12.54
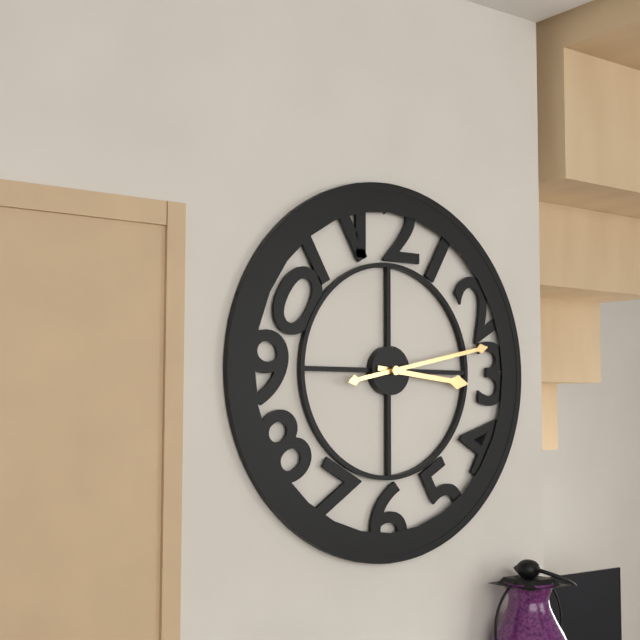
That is 3.13
